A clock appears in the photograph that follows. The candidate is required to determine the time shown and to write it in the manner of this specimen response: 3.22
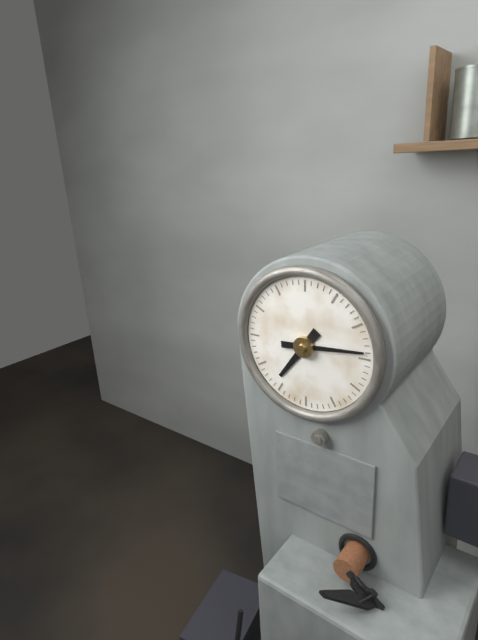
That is 7.14
